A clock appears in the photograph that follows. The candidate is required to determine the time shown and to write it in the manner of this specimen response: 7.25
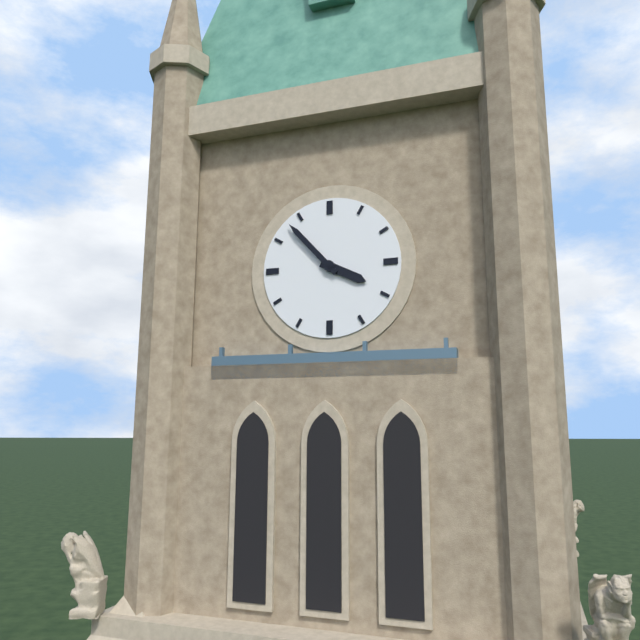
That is 3.53
